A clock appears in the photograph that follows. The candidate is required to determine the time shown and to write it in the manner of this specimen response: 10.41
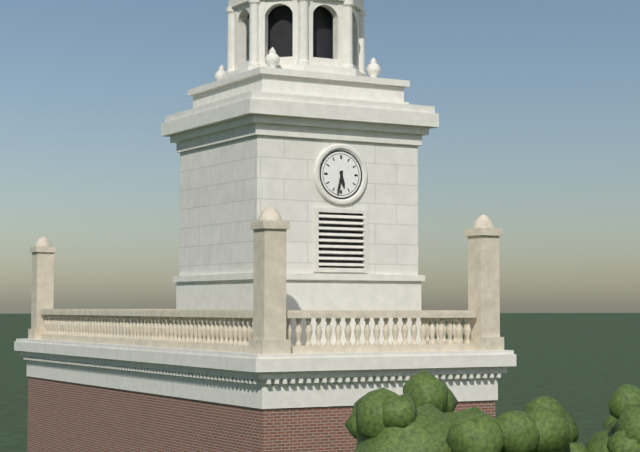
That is 5.32
